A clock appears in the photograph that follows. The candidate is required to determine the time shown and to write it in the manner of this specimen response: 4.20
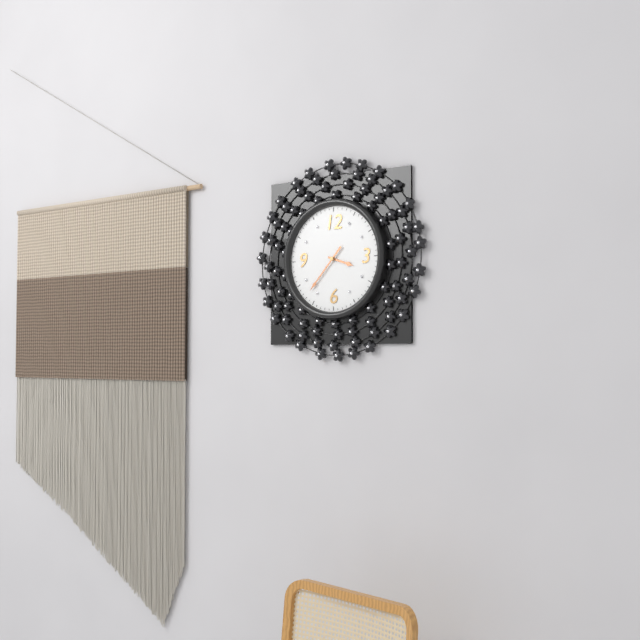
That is 3.37
